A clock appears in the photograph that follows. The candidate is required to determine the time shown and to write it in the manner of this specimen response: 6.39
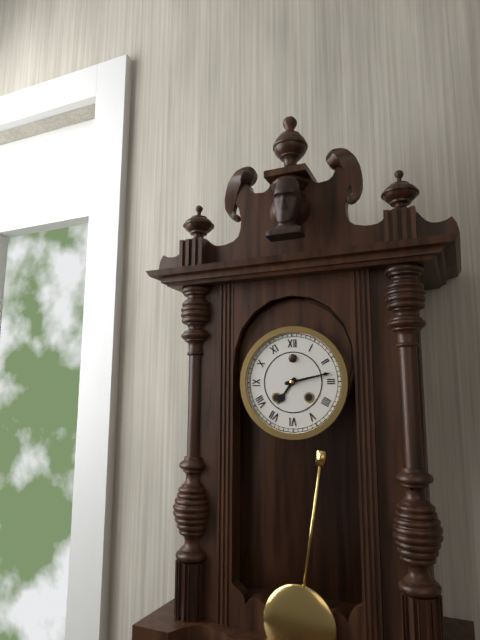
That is 7.13
